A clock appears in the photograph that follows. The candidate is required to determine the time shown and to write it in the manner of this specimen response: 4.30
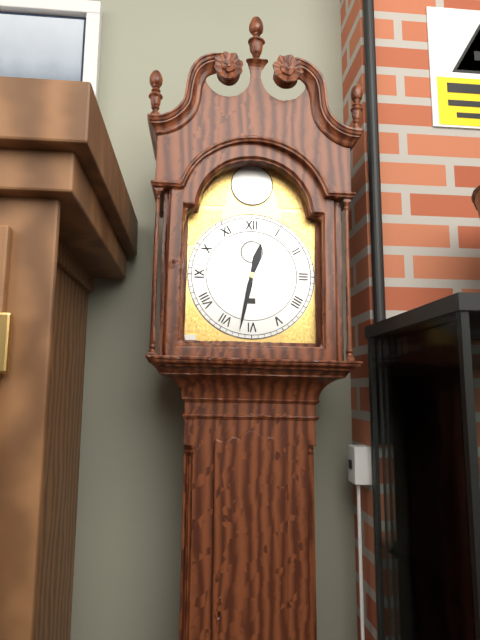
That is 12.32
